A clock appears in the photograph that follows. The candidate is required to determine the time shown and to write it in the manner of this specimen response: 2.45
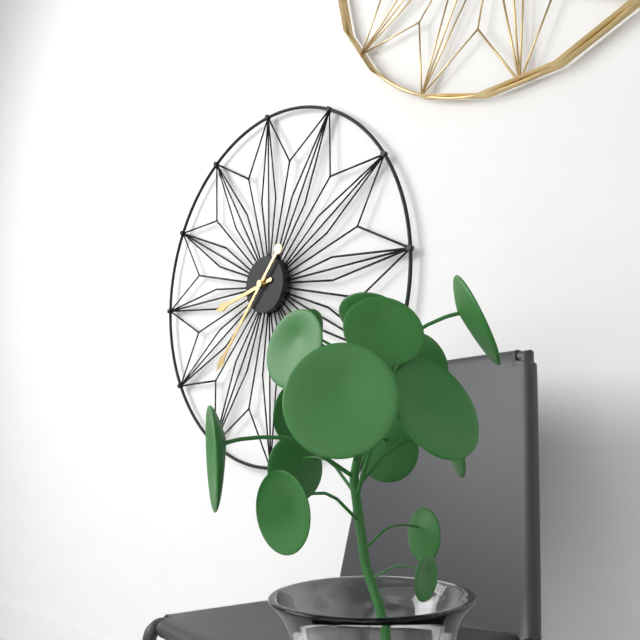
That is 8.37
